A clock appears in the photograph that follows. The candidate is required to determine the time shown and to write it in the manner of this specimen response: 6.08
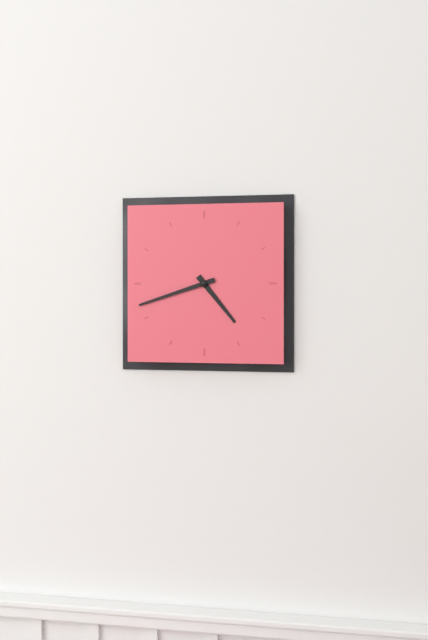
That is 4.42
